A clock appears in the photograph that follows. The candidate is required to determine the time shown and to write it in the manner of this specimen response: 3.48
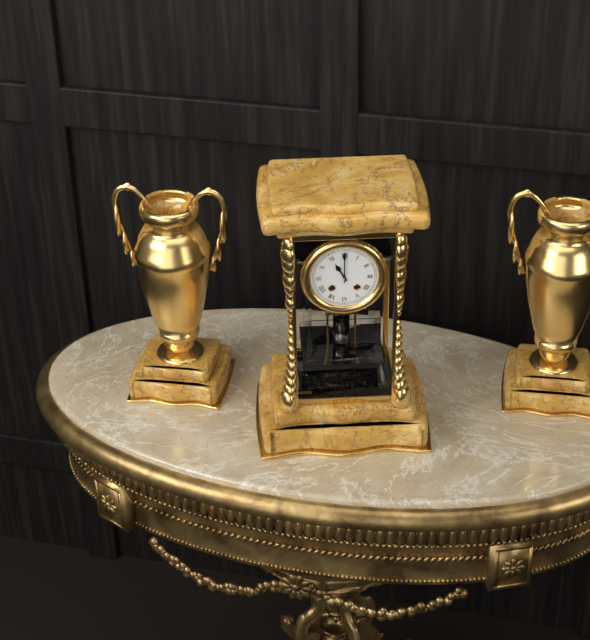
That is 11.00
